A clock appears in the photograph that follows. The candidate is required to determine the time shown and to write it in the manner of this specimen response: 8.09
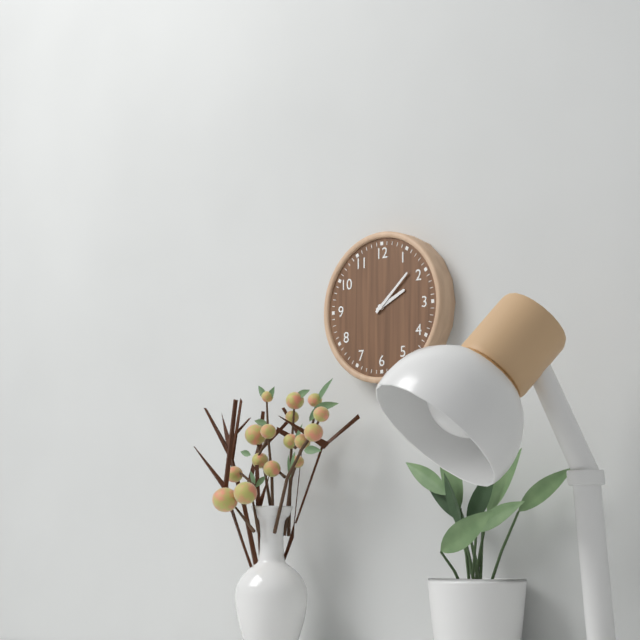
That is 2.08
